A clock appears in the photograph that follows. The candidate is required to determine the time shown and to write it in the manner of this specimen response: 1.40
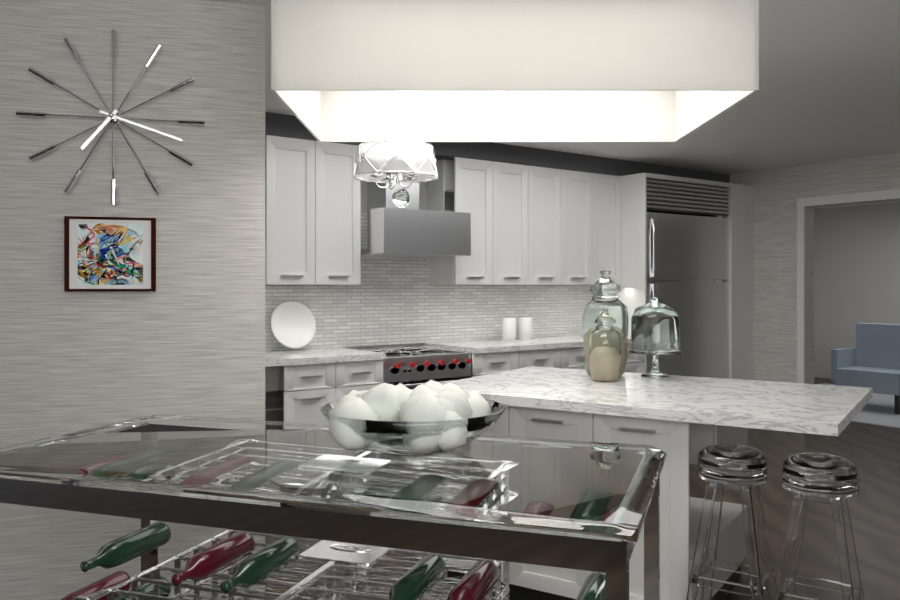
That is 7.18
